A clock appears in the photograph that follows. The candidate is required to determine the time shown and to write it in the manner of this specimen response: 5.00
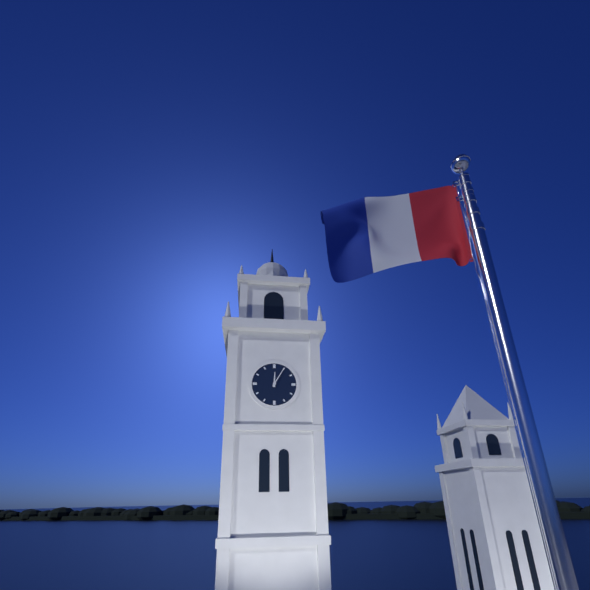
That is 12.05
